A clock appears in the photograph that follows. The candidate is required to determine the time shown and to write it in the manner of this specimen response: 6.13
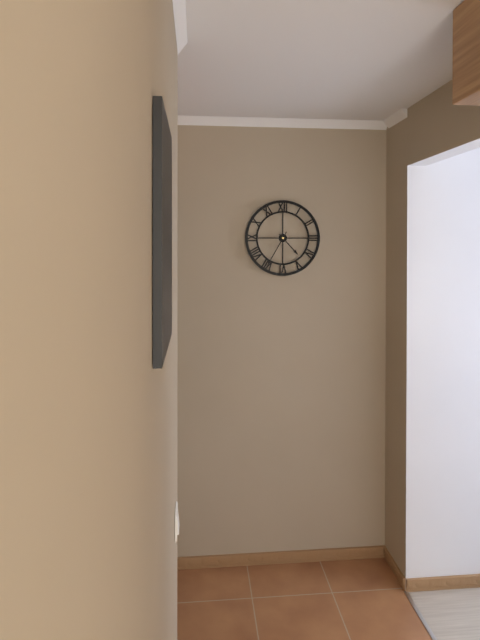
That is 4.35
